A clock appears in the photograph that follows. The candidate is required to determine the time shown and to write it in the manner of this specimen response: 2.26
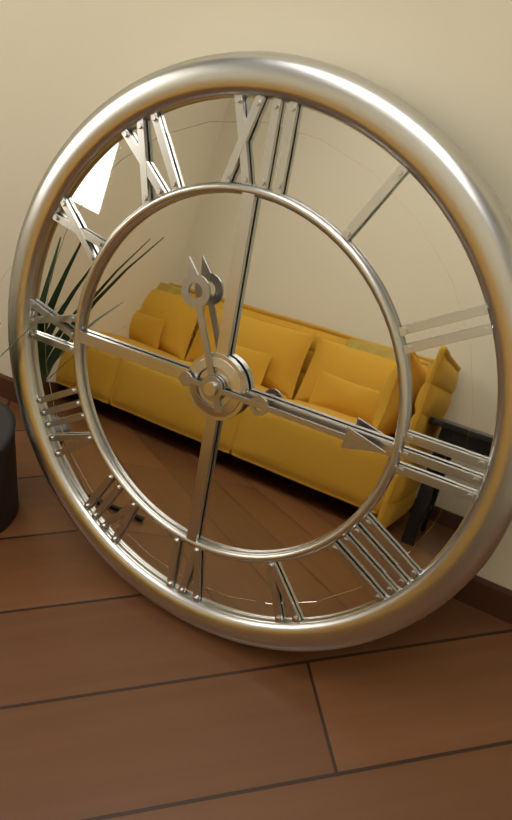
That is 11.15
